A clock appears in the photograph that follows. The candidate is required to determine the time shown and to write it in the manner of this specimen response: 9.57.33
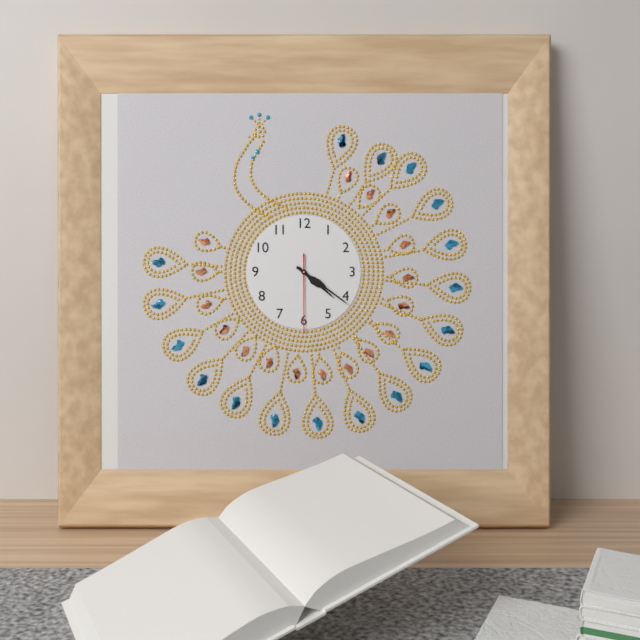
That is 4.21.30
